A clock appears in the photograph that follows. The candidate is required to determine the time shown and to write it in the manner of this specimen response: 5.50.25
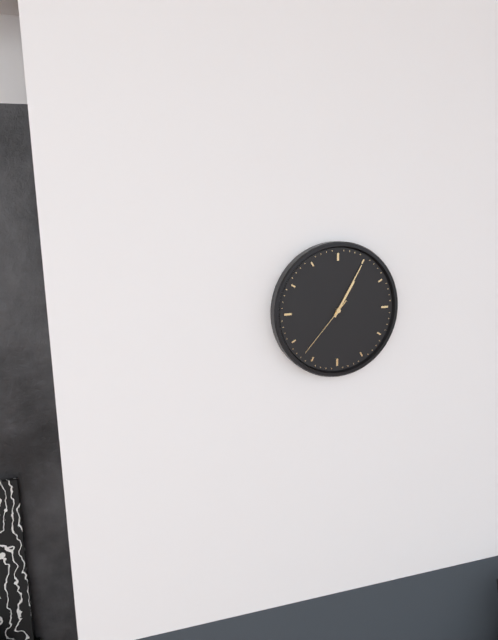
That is 1.05.37
